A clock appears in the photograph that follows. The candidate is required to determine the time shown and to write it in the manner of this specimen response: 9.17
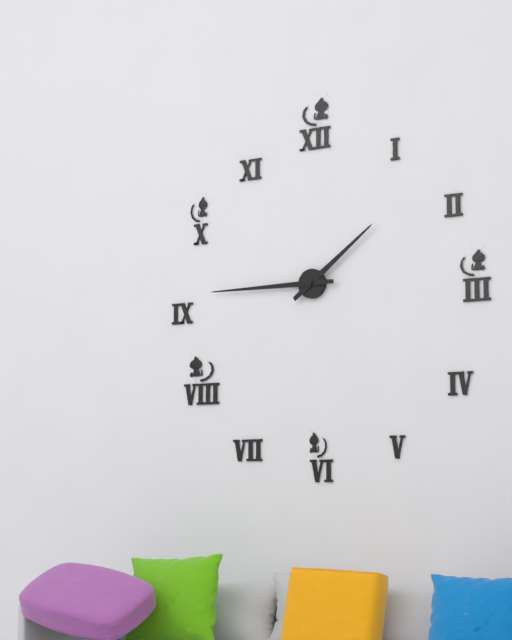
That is 1.45
